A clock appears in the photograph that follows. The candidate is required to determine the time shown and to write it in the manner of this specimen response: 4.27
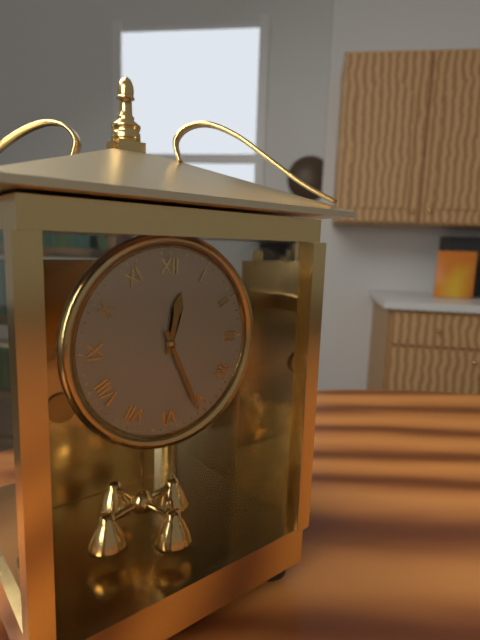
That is 12.26
